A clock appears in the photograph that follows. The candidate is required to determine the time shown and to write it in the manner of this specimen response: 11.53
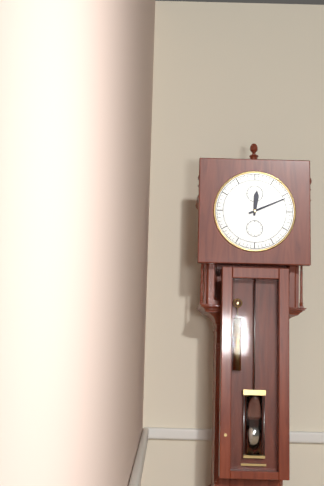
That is 12.11
